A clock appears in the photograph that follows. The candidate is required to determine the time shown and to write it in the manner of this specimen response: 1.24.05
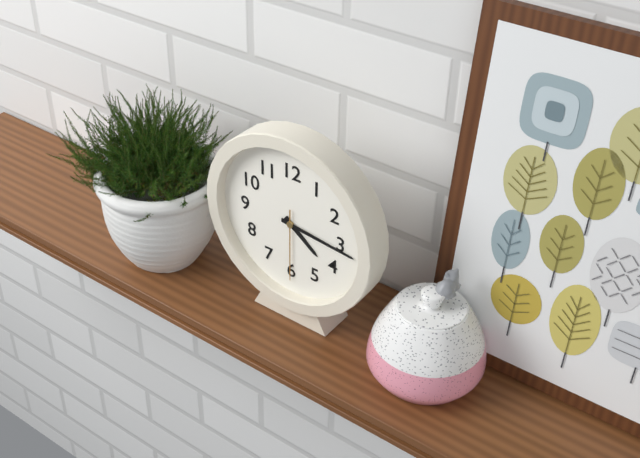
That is 4.16.30
